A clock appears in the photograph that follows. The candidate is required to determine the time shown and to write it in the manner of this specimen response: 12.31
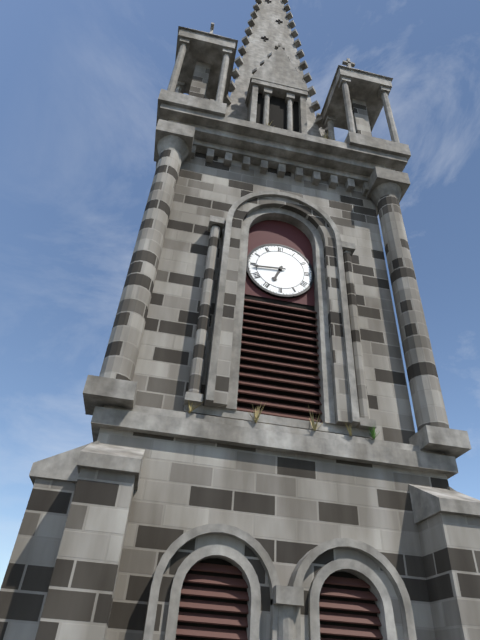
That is 6.44
